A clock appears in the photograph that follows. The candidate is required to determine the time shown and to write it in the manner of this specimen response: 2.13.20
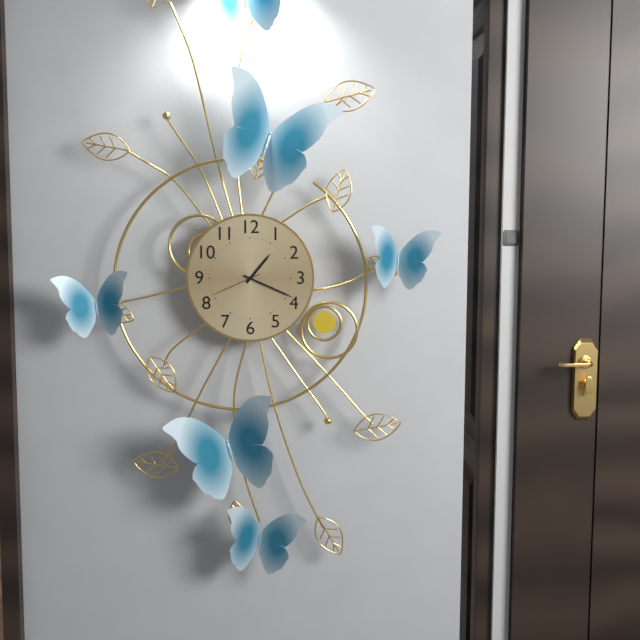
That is 1.19.41
